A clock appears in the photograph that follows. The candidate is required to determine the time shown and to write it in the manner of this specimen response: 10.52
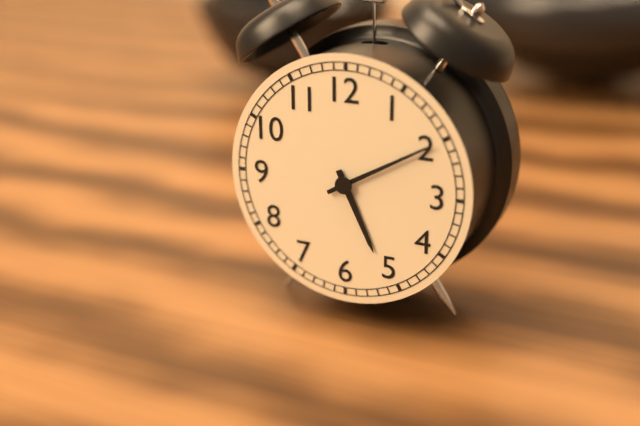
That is 5.10
